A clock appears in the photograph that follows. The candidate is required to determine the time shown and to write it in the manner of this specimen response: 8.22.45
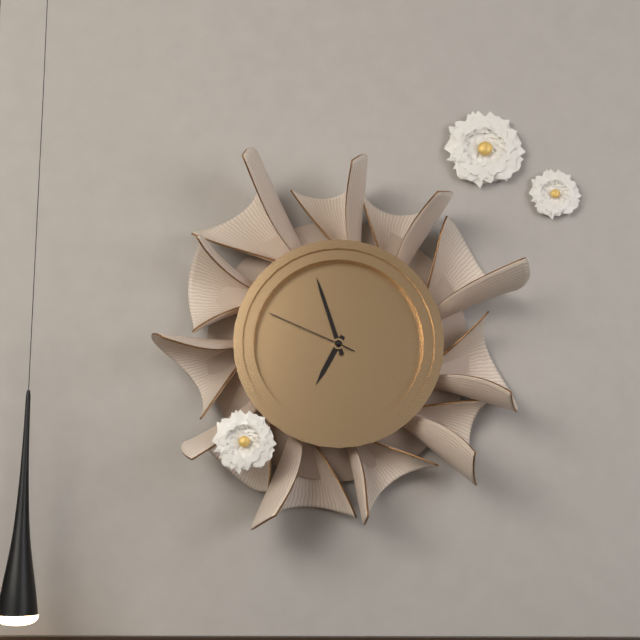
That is 6.57.49
